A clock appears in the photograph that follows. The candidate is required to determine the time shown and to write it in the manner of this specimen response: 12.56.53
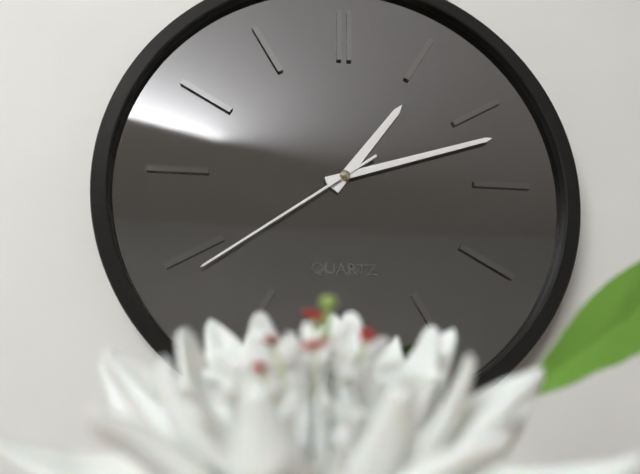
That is 1.12.39
